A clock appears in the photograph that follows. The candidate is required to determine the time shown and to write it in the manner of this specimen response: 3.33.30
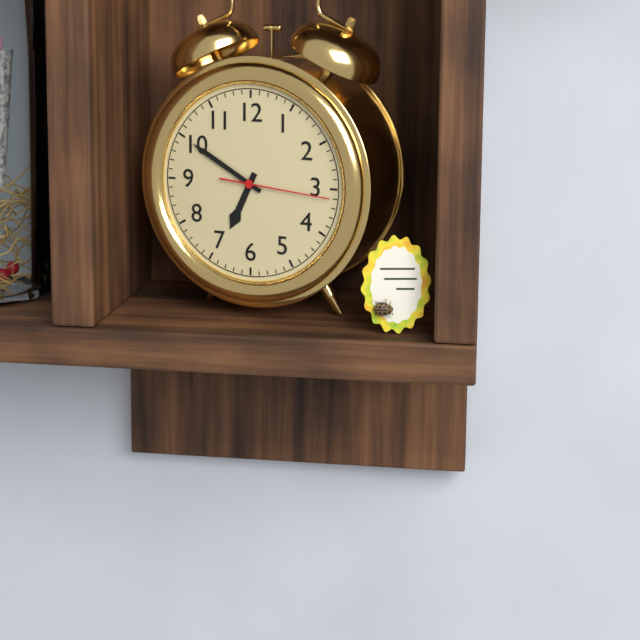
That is 6.50.16
